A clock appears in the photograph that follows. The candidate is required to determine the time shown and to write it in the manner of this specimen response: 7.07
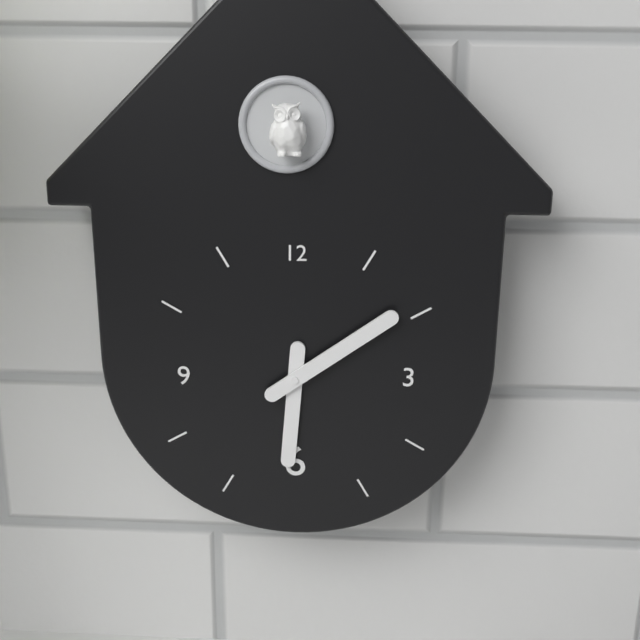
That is 6.09
